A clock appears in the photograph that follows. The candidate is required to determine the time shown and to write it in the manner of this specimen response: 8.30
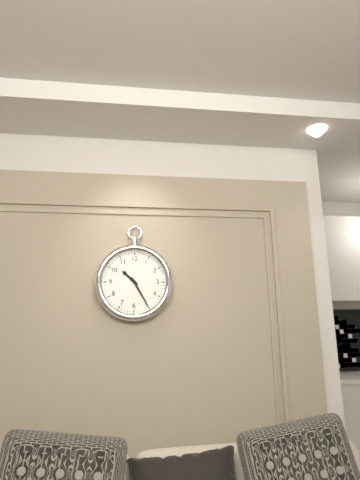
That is 10.25
